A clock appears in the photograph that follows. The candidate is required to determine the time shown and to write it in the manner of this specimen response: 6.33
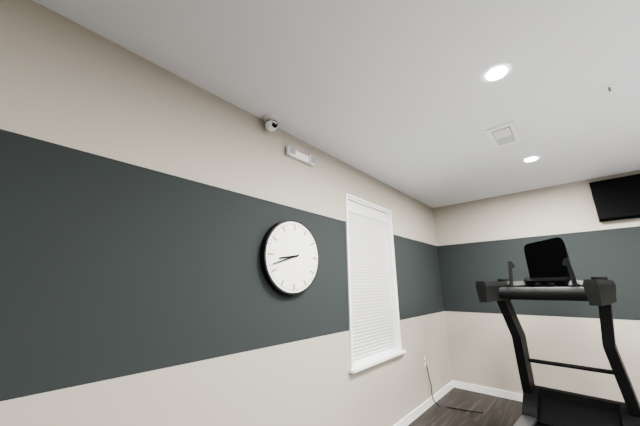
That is 8.42
